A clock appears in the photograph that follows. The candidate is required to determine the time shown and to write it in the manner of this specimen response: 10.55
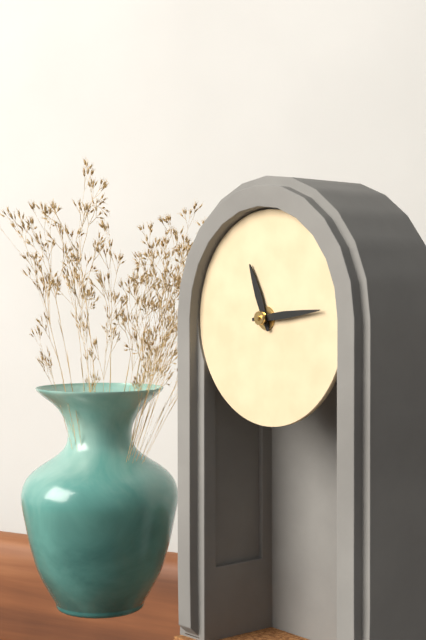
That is 11.14
